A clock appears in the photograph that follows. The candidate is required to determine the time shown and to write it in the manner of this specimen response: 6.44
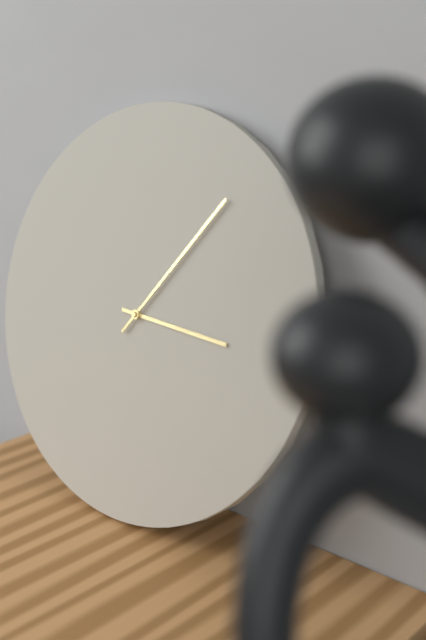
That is 3.06
